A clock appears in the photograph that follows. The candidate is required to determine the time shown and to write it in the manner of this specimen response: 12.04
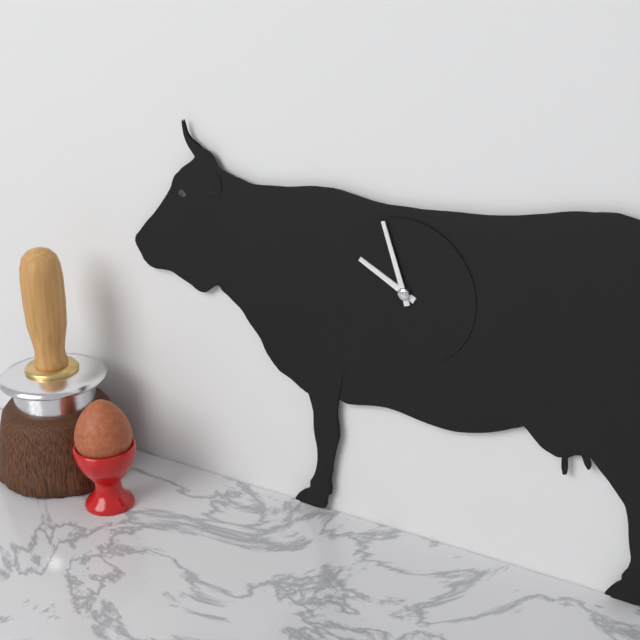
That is 9.57
